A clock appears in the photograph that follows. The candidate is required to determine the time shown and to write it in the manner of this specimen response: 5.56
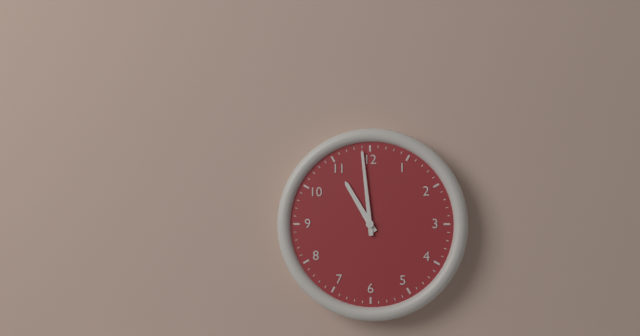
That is 10.59
